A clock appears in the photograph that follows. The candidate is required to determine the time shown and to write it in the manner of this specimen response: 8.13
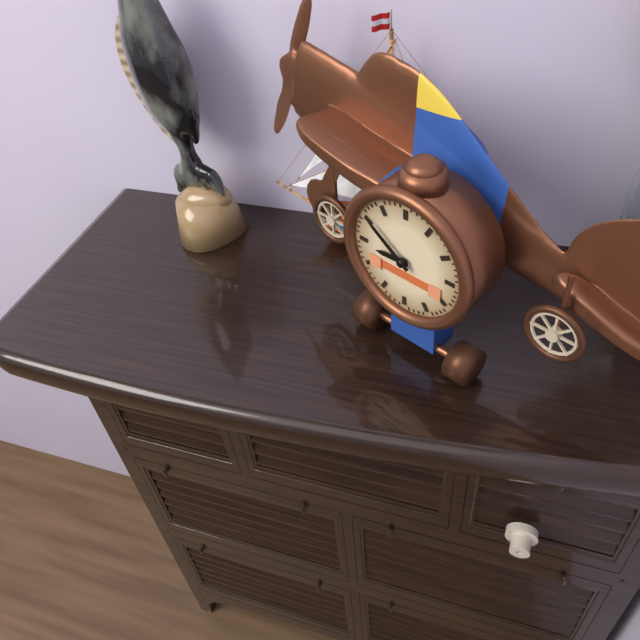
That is 8.51
